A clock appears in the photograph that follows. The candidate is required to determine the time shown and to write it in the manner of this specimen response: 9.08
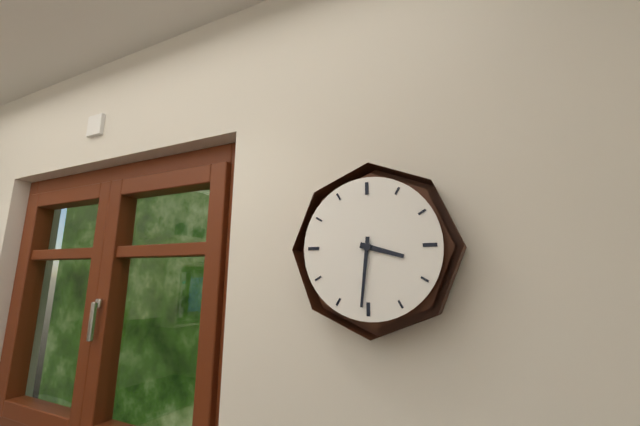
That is 3.31
